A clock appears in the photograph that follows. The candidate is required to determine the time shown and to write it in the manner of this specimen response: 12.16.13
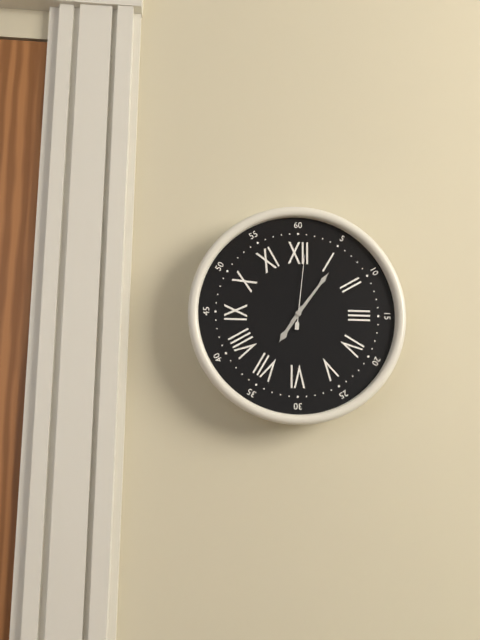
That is 7.06.01
